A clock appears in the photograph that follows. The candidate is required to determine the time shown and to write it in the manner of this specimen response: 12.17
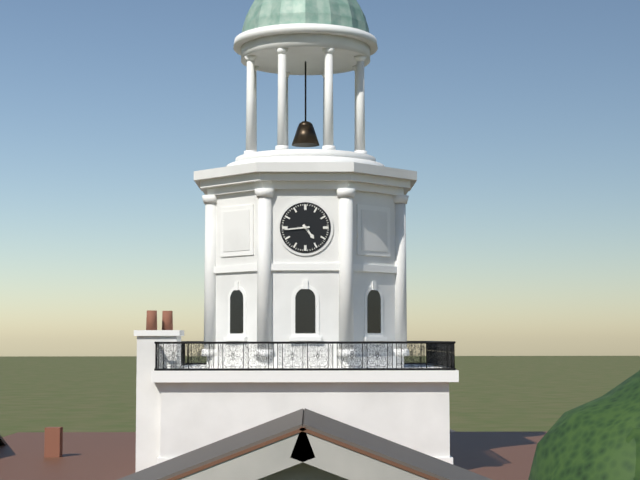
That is 4.44
